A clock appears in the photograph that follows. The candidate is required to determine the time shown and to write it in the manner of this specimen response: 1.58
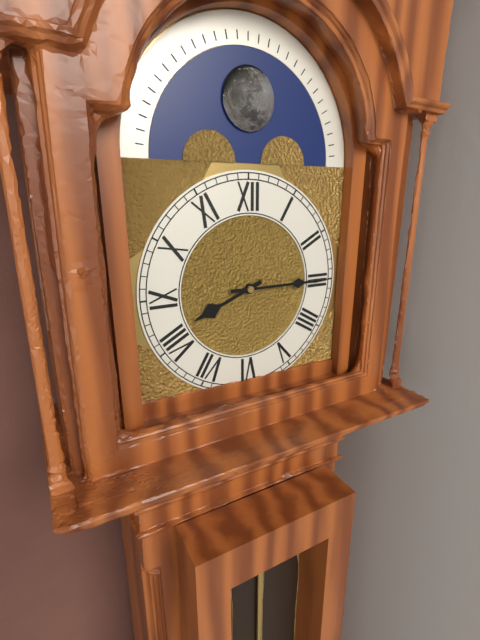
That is 8.15
